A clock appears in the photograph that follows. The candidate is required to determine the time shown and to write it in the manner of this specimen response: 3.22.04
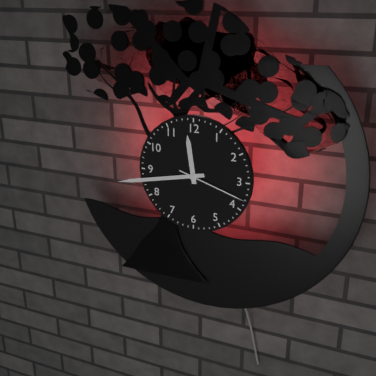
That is 11.43.18
